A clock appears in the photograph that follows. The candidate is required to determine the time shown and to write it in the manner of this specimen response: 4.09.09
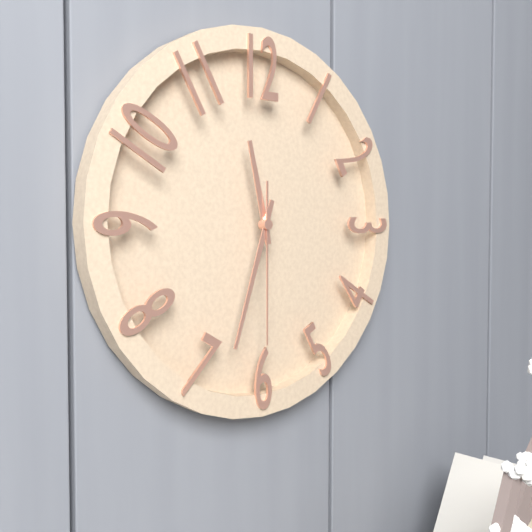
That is 11.33.30
